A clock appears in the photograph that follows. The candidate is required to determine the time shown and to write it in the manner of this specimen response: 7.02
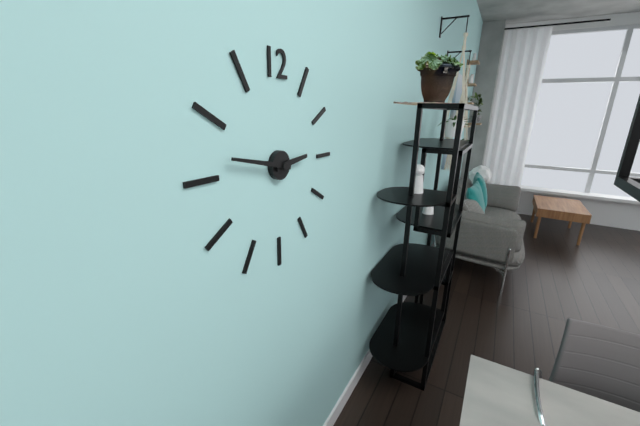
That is 2.47
